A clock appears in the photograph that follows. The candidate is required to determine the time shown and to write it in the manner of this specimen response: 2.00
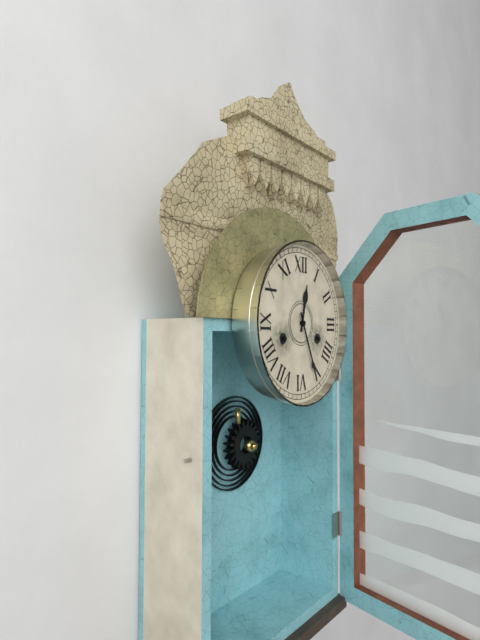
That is 12.26
